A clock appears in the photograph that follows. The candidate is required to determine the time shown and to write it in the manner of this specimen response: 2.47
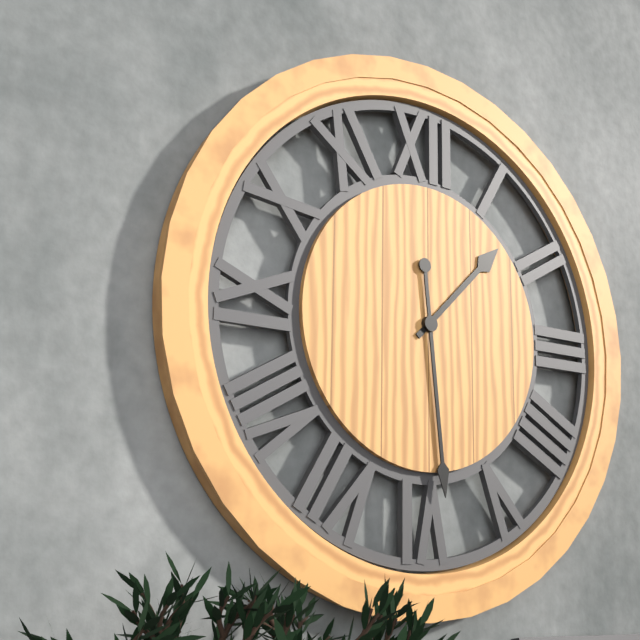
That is 1.29
